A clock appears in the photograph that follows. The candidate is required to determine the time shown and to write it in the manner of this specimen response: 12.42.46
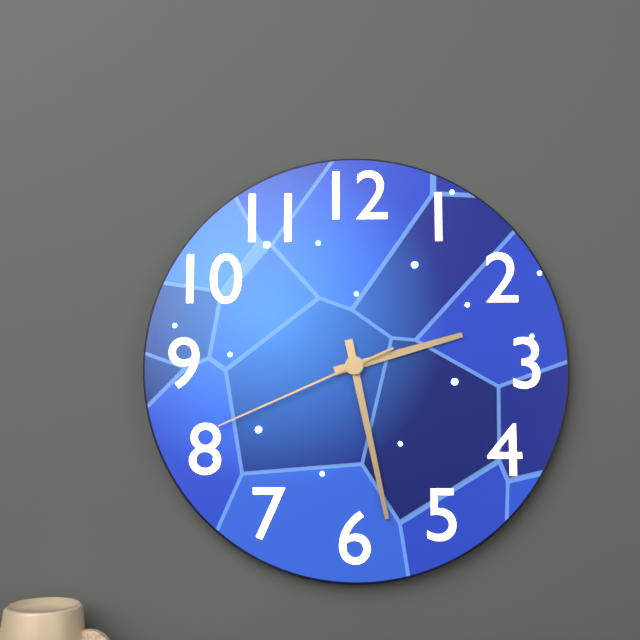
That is 2.28.41
